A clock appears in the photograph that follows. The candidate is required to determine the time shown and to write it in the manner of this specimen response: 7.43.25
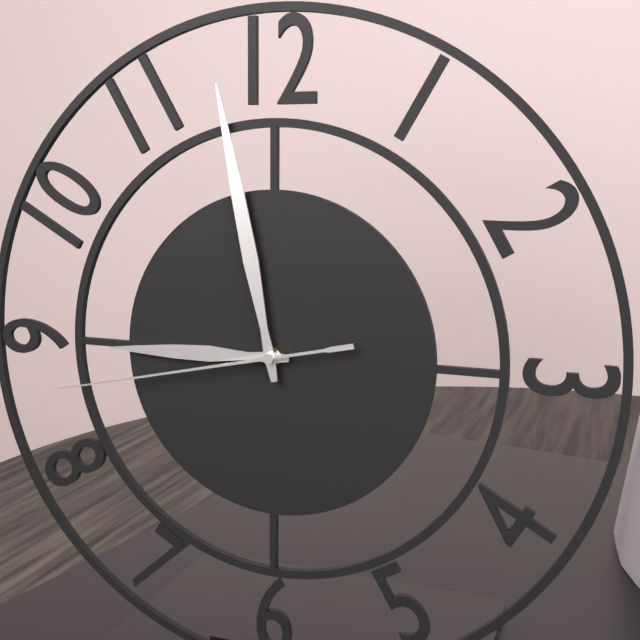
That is 8.58.43
